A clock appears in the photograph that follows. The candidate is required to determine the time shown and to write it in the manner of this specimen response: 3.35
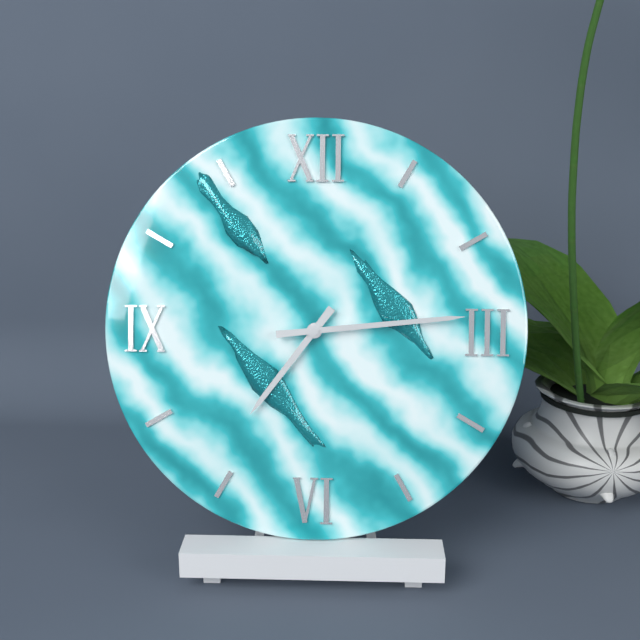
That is 7.14
